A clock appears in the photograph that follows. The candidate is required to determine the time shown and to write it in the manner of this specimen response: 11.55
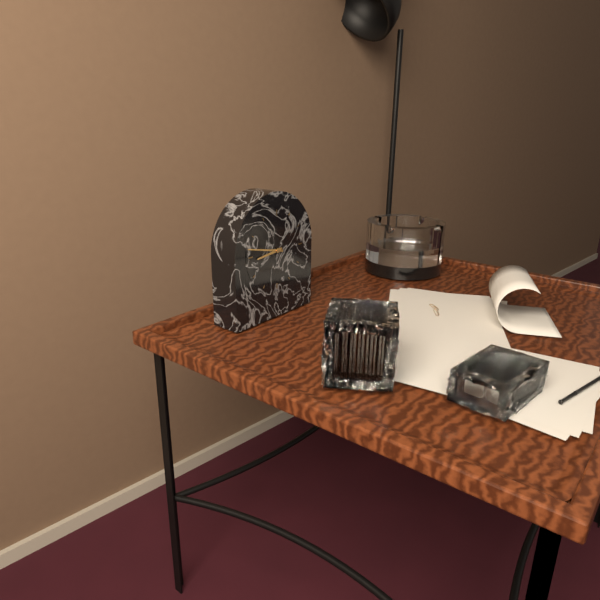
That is 8.47
